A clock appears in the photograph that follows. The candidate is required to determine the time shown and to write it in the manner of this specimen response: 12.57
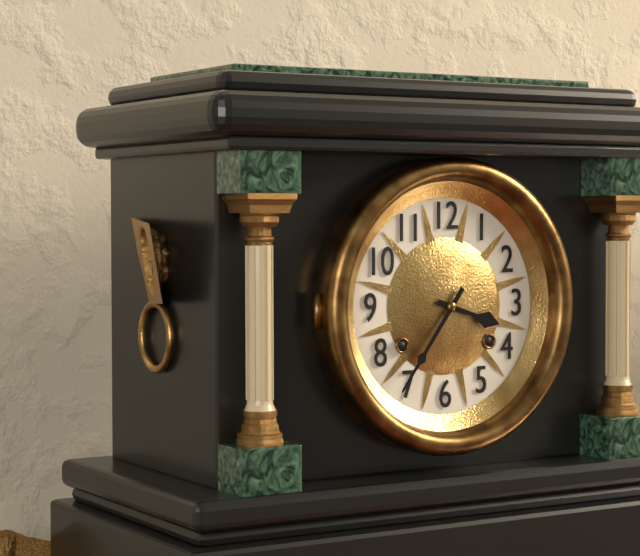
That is 3.36
